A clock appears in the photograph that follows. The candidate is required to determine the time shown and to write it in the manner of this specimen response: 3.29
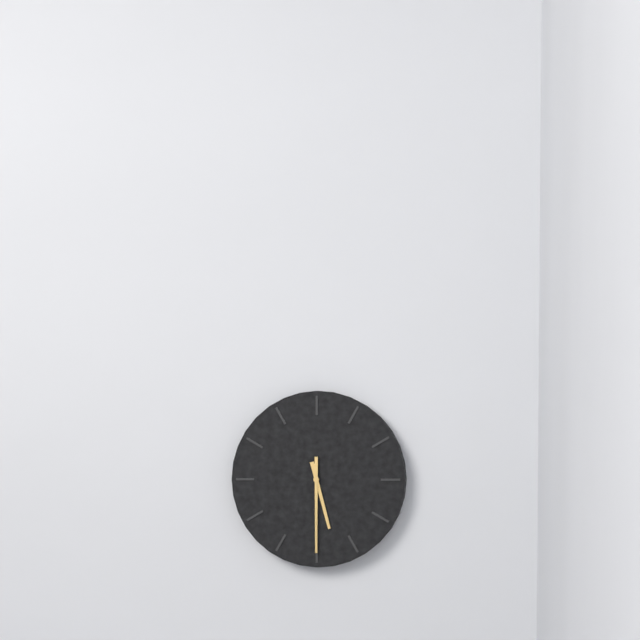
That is 5.30
